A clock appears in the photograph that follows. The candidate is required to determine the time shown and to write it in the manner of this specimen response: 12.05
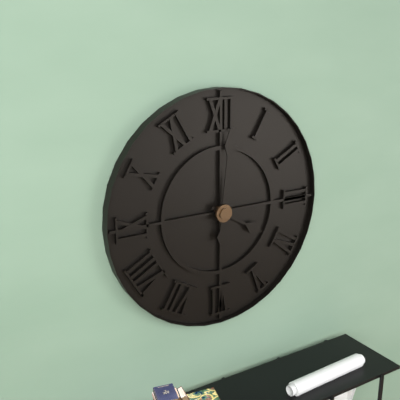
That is 4.01
